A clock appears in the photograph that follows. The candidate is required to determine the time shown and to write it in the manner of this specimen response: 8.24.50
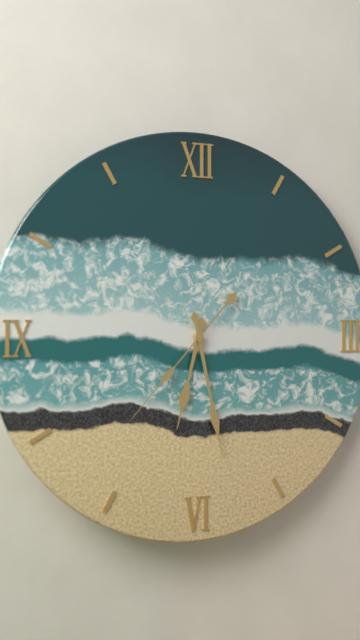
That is 6.28.37
